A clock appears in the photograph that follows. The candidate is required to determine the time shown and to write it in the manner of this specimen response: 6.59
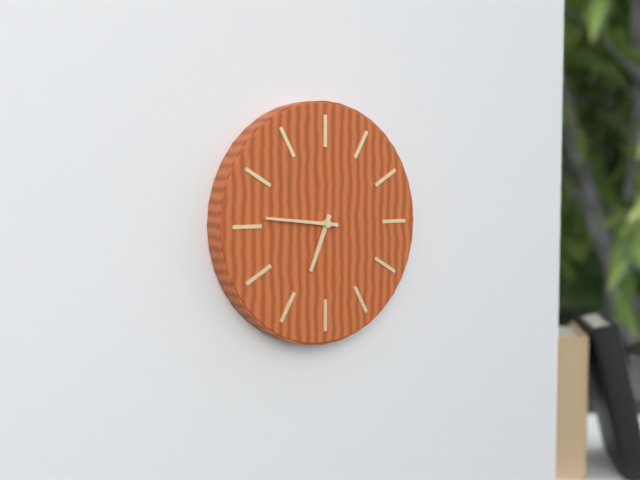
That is 6.46
